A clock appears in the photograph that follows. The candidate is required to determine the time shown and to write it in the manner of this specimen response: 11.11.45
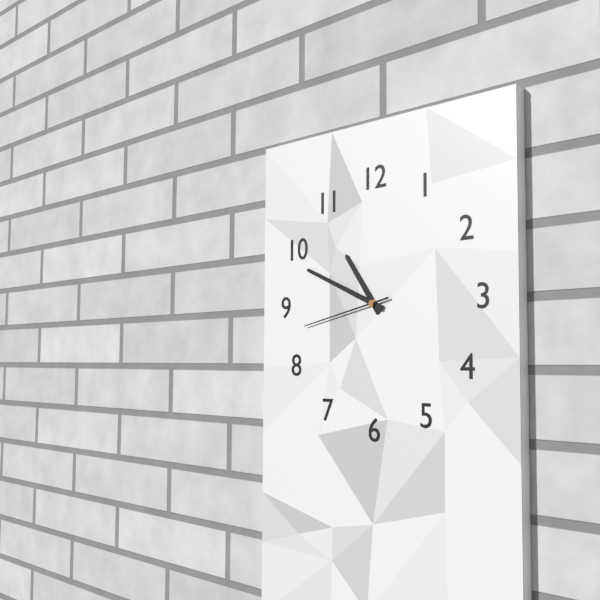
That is 10.49.43
